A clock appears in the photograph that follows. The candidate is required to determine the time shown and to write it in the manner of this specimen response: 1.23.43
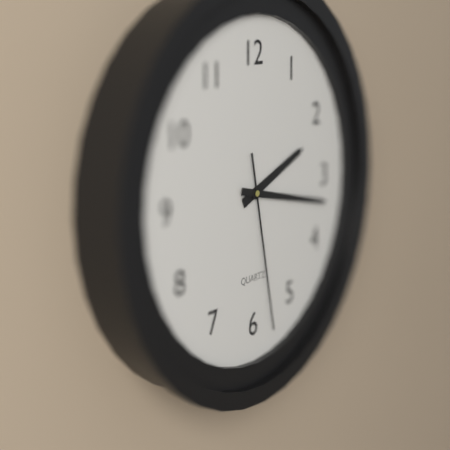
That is 2.17.28
